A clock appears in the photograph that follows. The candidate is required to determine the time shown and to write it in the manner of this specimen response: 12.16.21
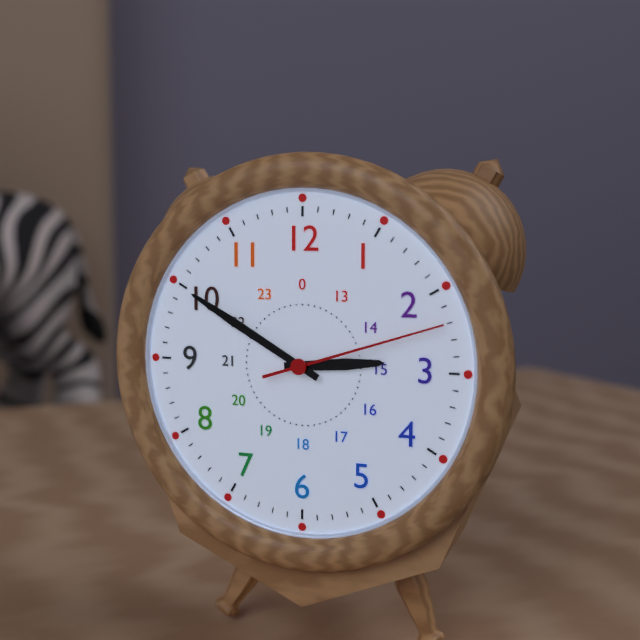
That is 2.50.12
